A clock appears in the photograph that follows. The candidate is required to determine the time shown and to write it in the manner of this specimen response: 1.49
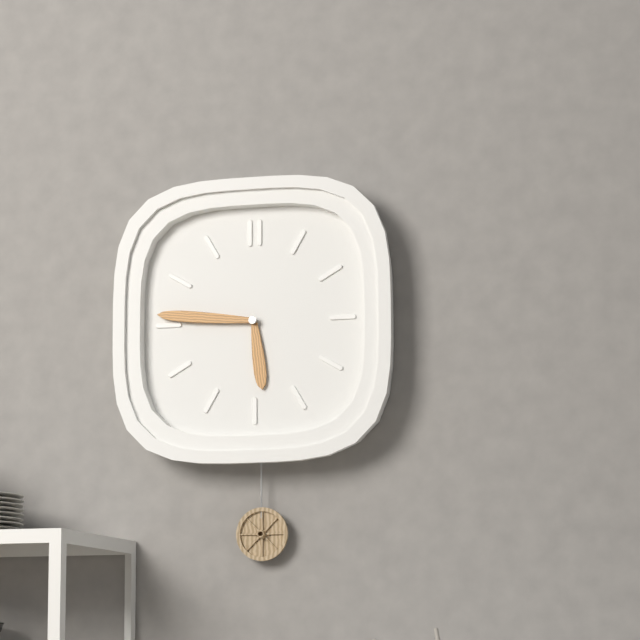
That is 5.46
